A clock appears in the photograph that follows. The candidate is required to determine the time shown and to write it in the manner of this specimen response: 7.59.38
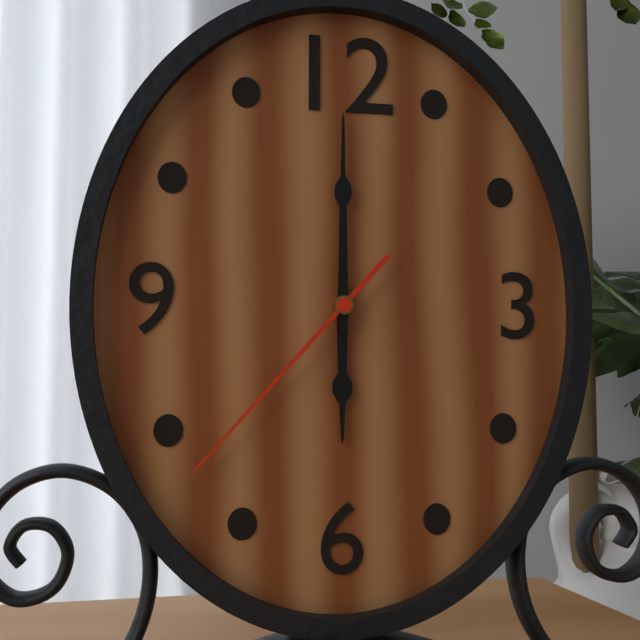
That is 6.00.37
